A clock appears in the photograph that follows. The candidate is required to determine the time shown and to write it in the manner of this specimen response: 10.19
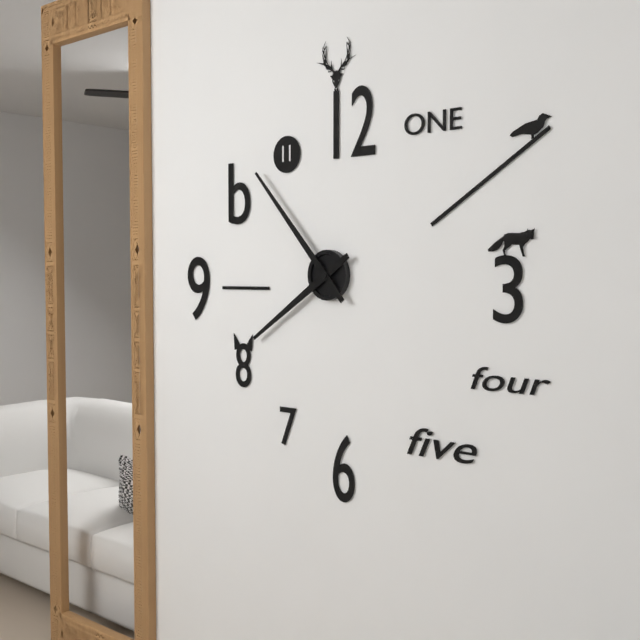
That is 7.53
